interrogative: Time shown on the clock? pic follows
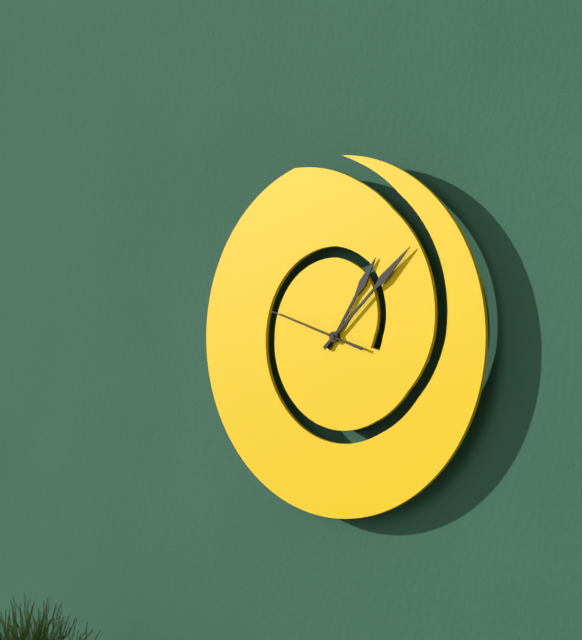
1:08:48
